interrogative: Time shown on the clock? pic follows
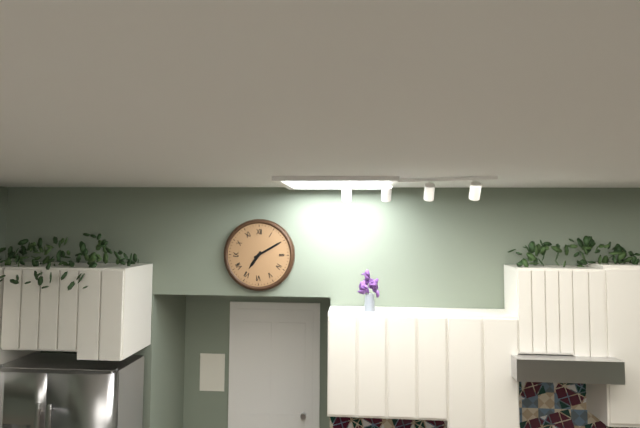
7:10
